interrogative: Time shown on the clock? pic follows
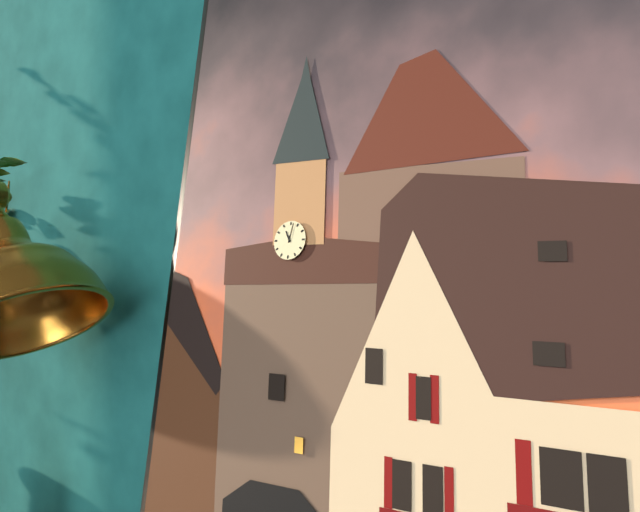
11:02
